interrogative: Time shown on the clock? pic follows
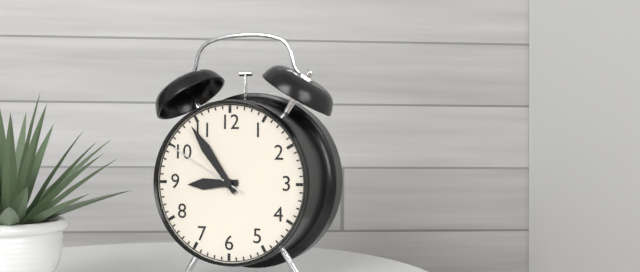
8:54:50
